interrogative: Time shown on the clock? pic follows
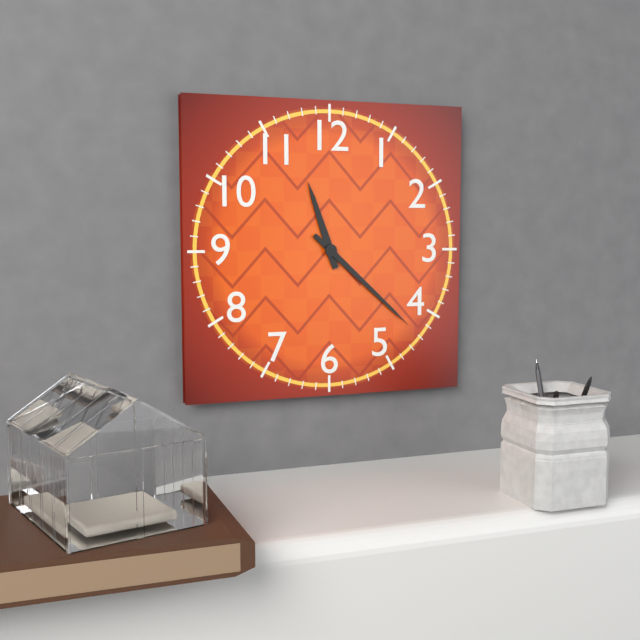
11:22
